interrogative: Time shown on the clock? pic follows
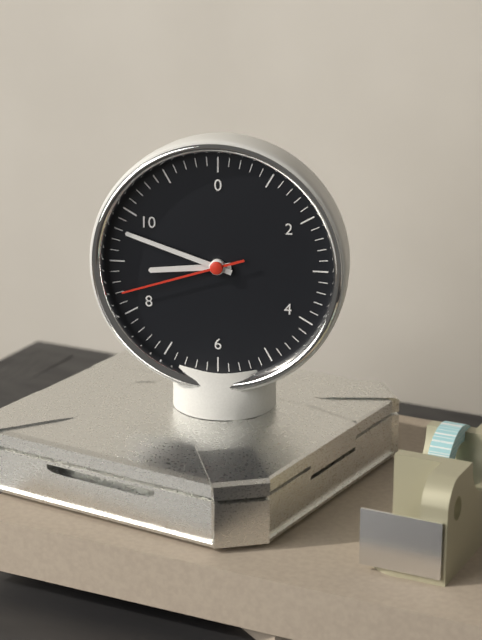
8:48:42
